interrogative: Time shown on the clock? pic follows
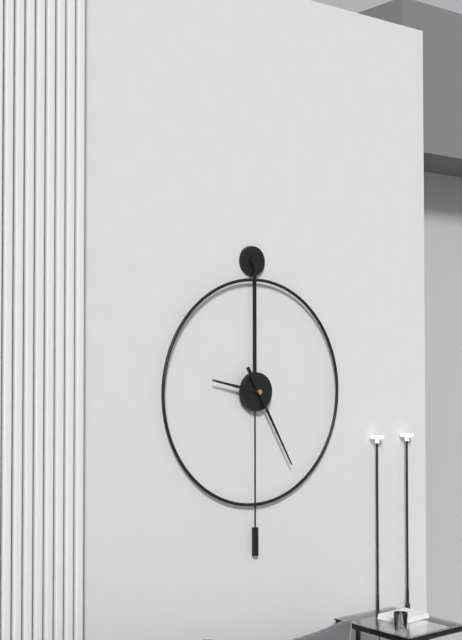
9:25
